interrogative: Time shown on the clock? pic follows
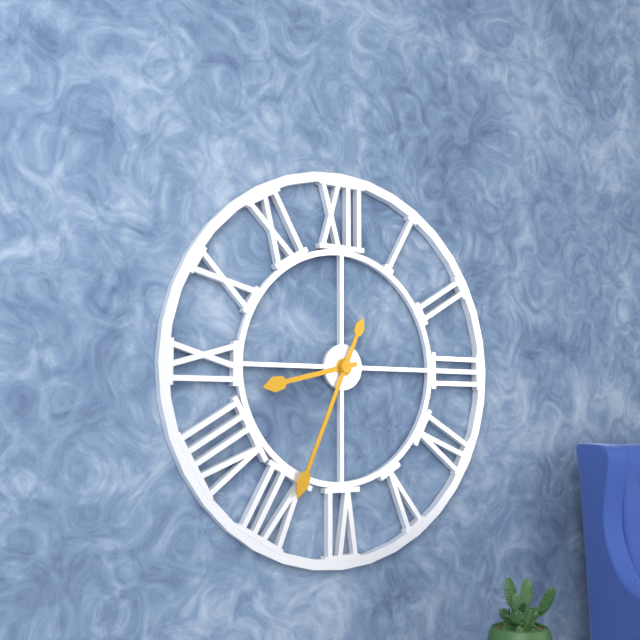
8:34
